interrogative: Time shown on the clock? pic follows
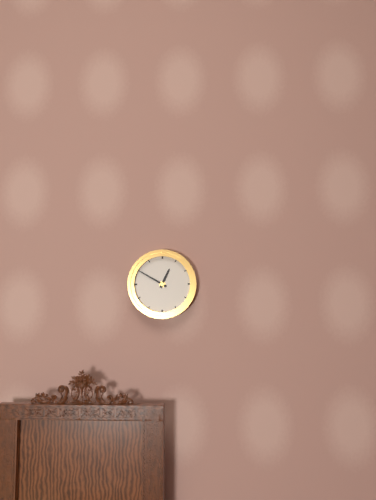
12:50
